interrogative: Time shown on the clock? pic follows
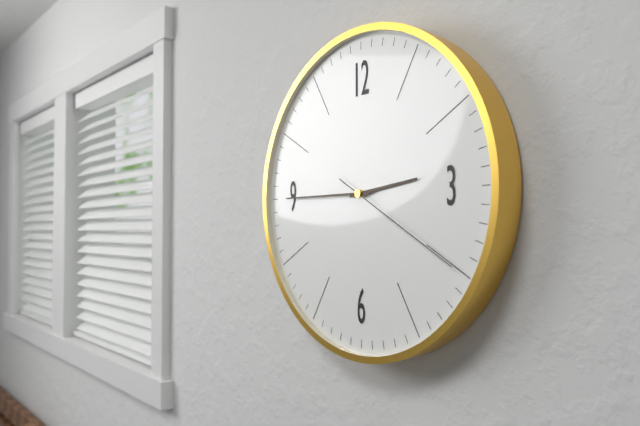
2:45:20
